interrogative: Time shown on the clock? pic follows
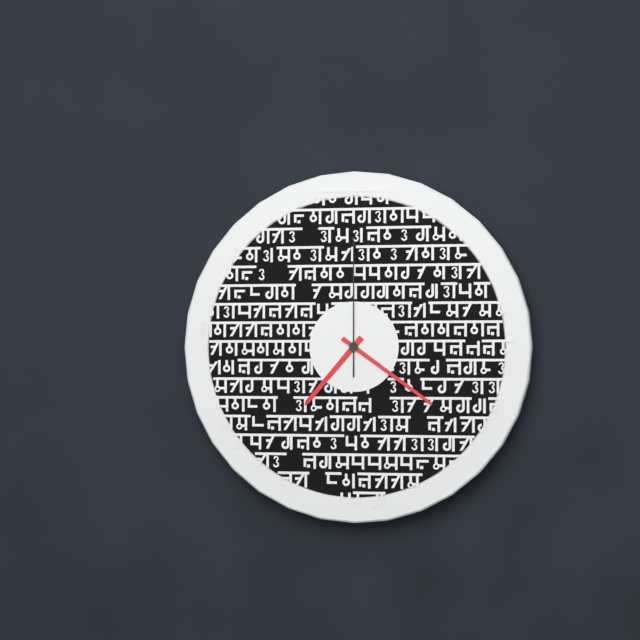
7:21:00
